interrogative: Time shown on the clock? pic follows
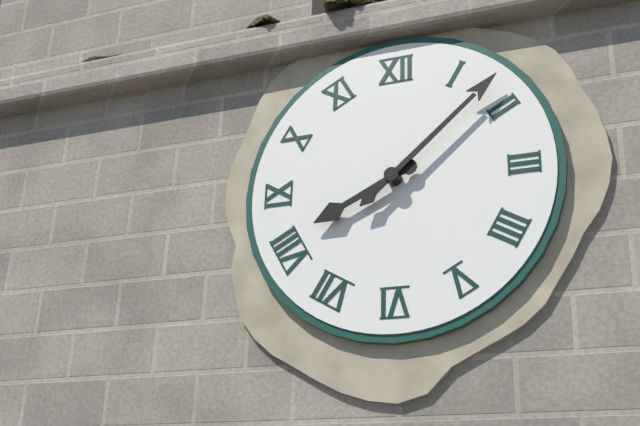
8:08
